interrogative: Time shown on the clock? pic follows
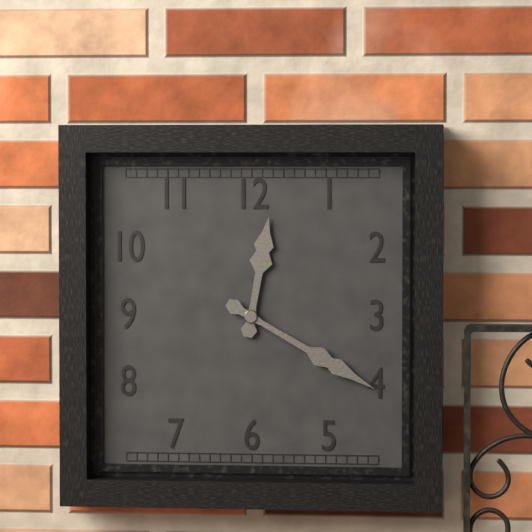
12:20
